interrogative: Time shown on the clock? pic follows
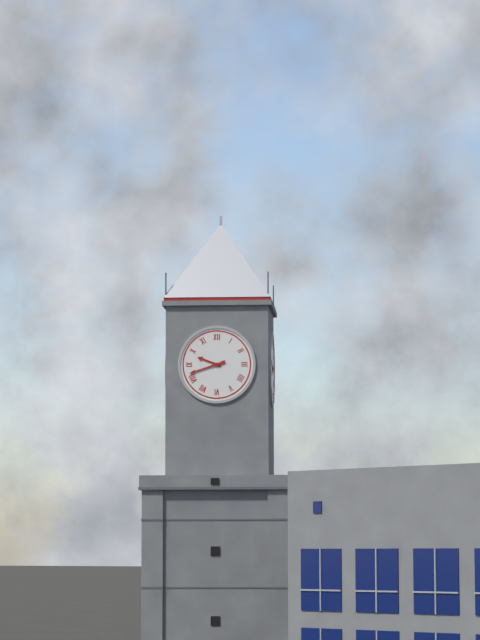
9:42
